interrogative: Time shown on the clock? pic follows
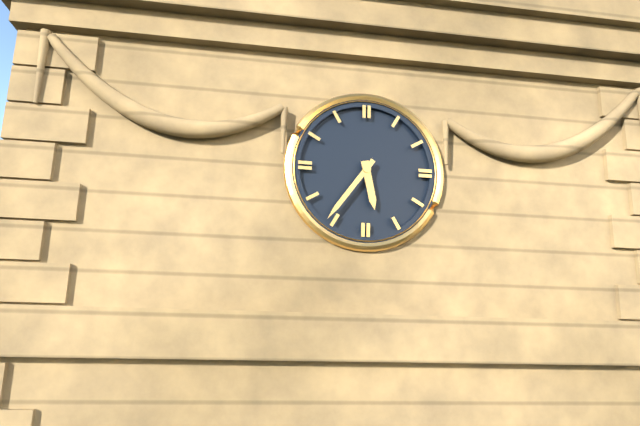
5:36
